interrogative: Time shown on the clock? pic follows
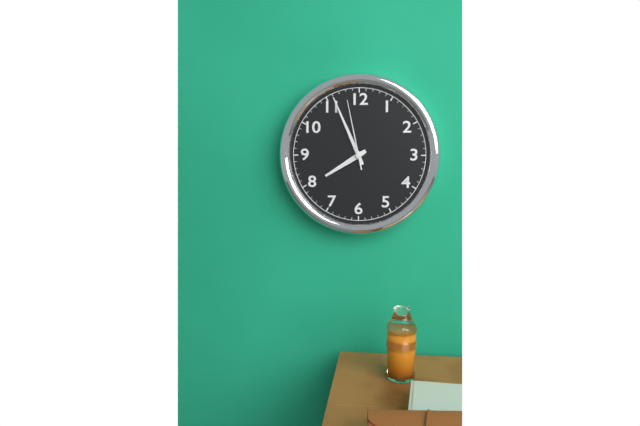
7:56:58
